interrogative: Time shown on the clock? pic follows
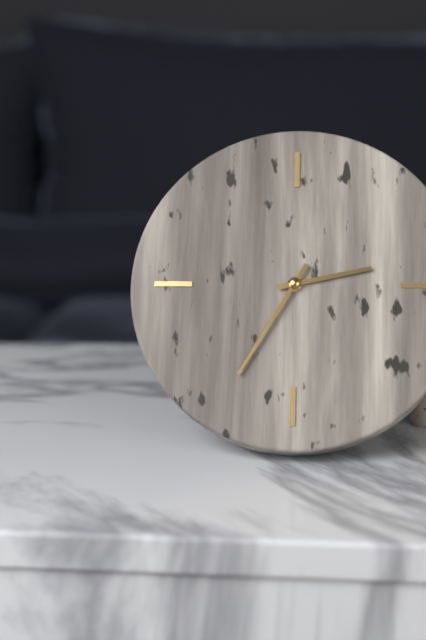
2:35
